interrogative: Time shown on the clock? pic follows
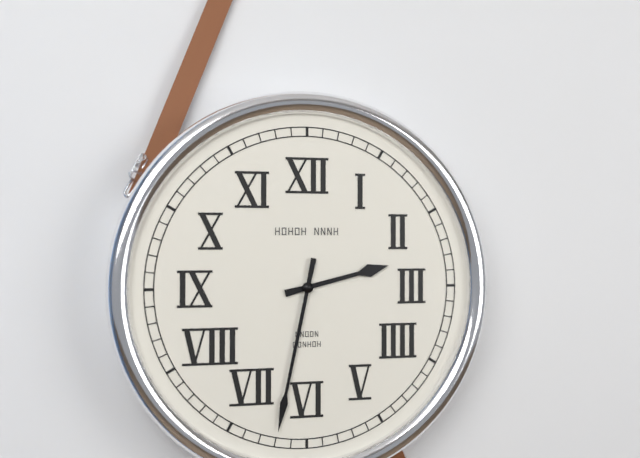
2:32
